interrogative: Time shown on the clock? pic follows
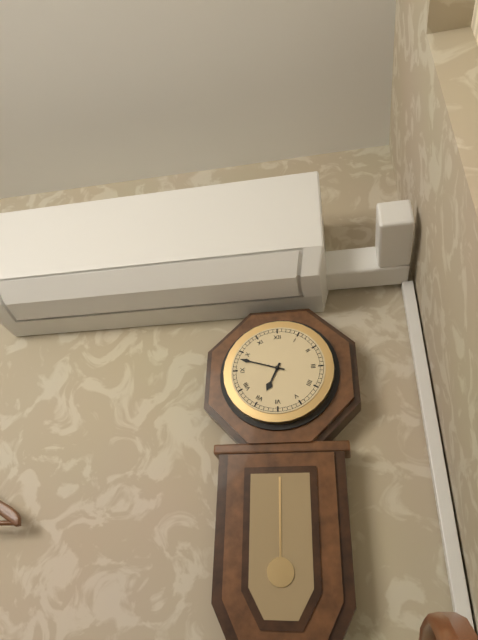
6:48
